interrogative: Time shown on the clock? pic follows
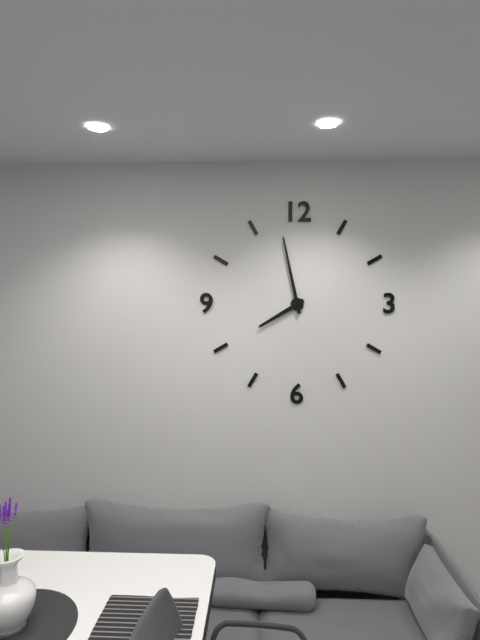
7:58
